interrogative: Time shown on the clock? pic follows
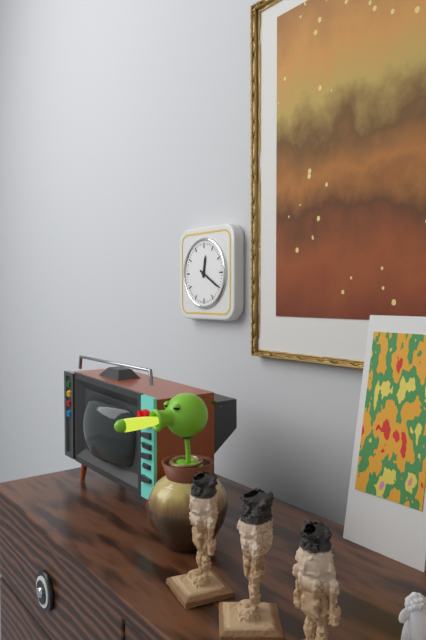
12:20
